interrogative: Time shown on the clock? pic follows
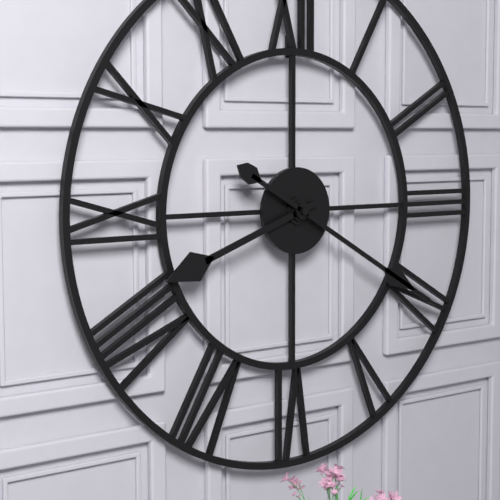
8:20
